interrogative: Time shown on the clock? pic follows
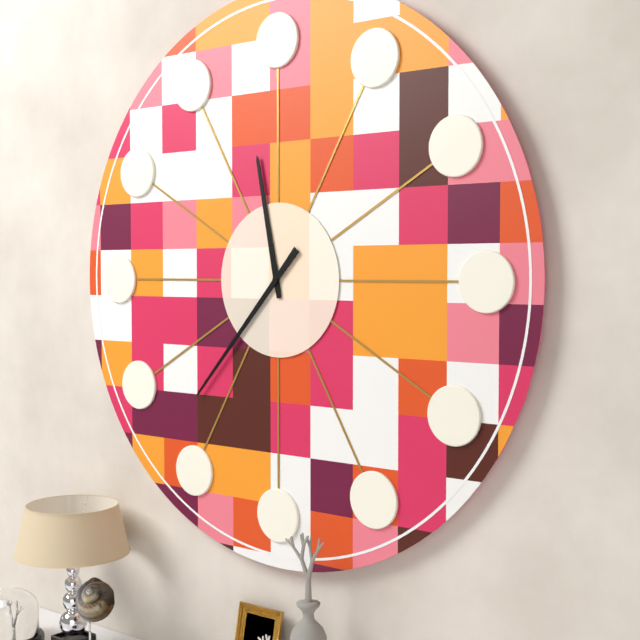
11:37
